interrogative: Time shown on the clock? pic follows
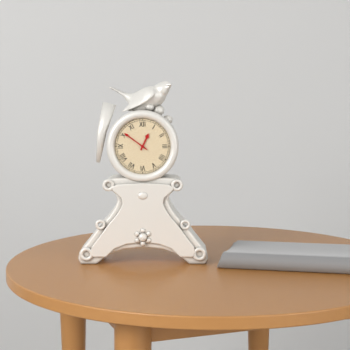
12:51
